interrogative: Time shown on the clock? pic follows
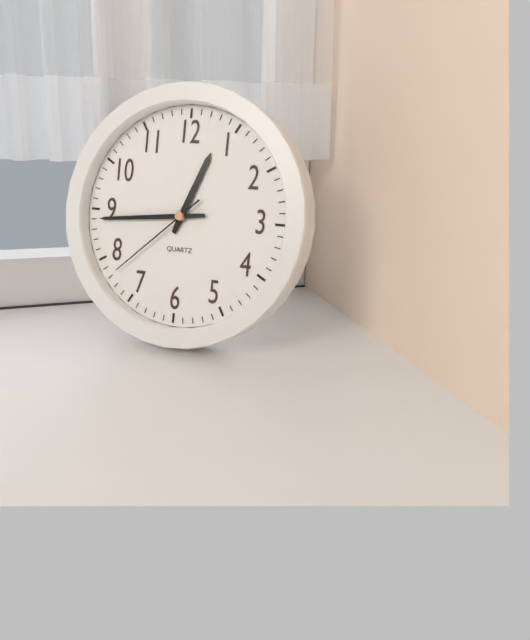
12:44:38
